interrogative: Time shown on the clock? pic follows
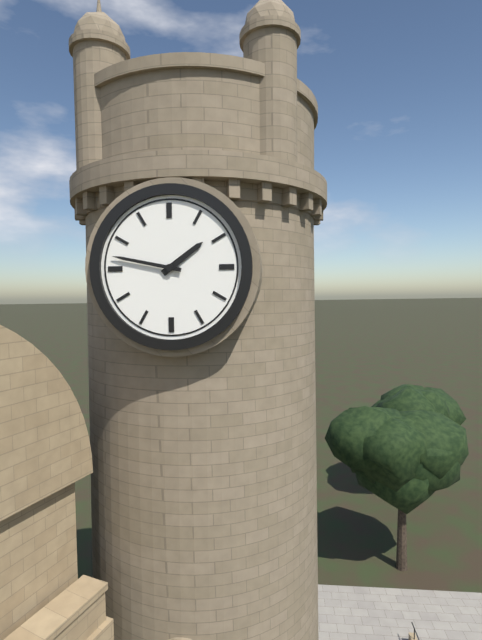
1:47
